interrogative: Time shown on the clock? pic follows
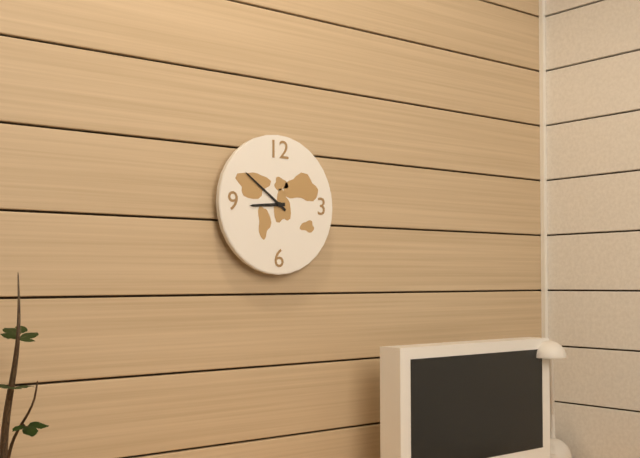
8:51
